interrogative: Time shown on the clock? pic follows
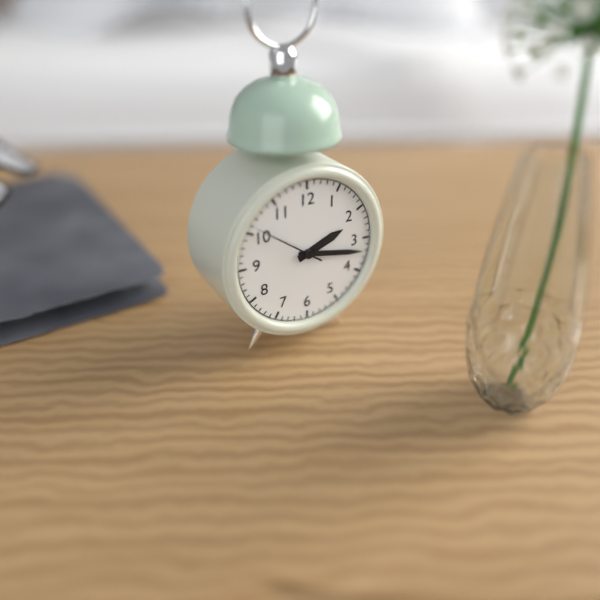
2:17:51
